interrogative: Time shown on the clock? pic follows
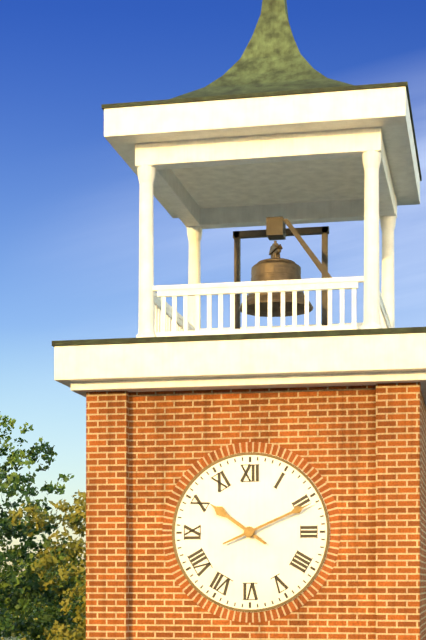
10:11
